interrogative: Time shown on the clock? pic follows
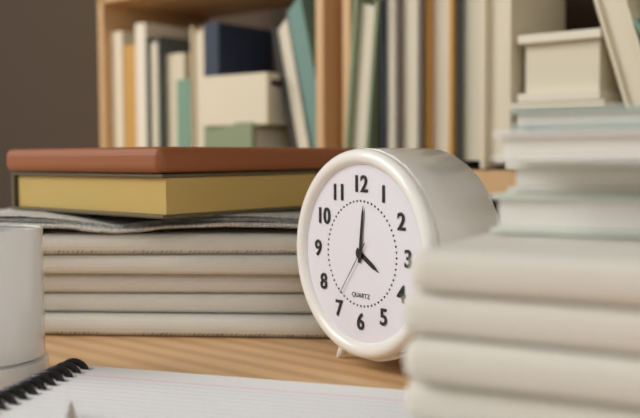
4:01:36
